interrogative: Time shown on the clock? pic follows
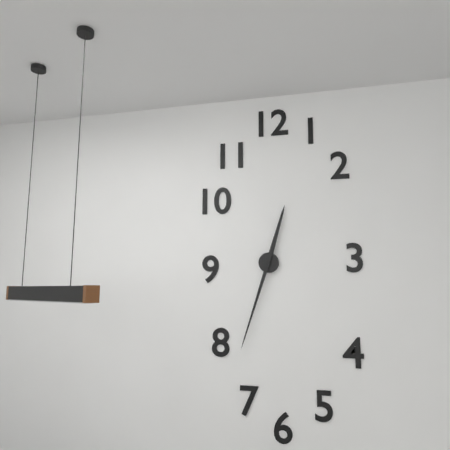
12:33
